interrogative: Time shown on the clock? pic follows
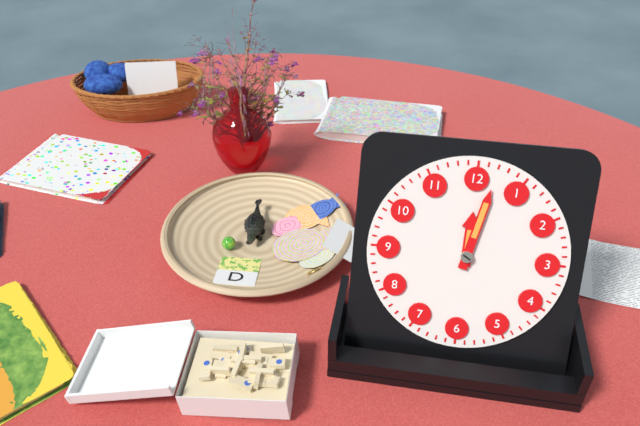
12:02
